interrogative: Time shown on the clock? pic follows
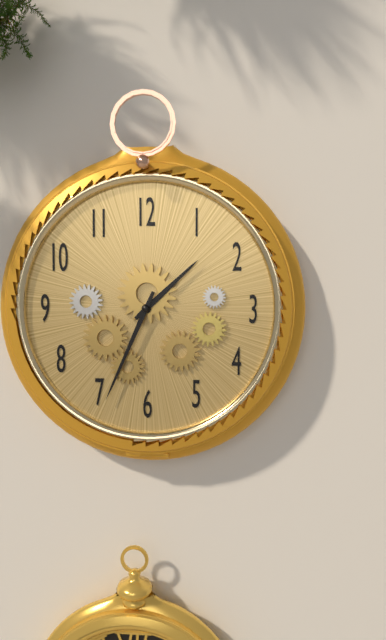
1:34
